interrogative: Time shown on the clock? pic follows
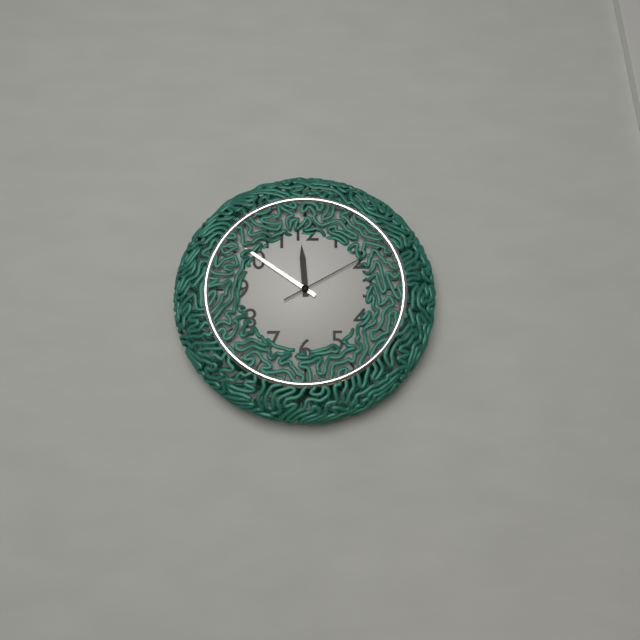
11:51:10
